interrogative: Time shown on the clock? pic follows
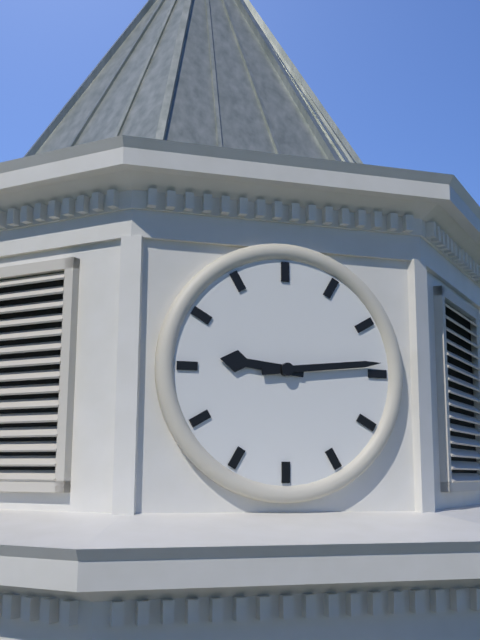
9:14
